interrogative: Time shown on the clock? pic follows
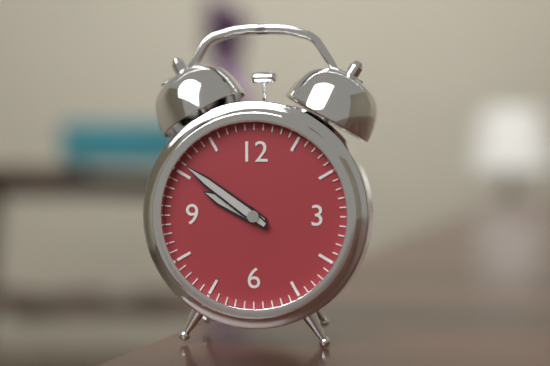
9:51
